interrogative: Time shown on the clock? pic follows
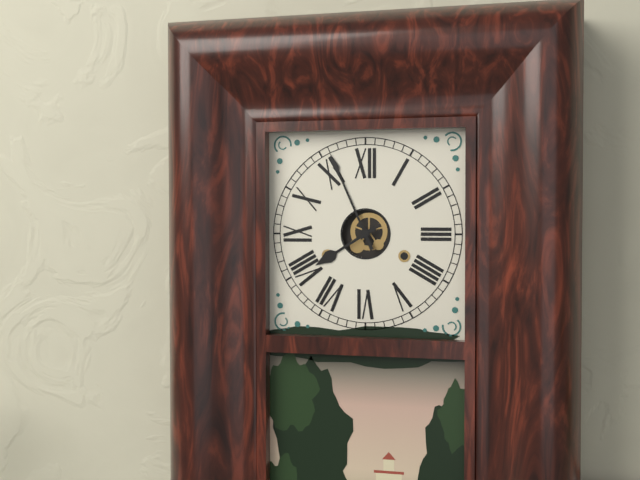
7:56
